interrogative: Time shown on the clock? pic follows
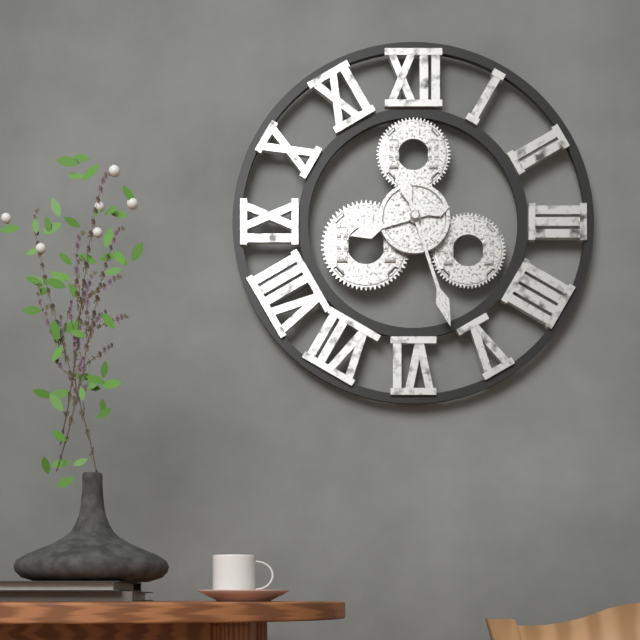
8:27
